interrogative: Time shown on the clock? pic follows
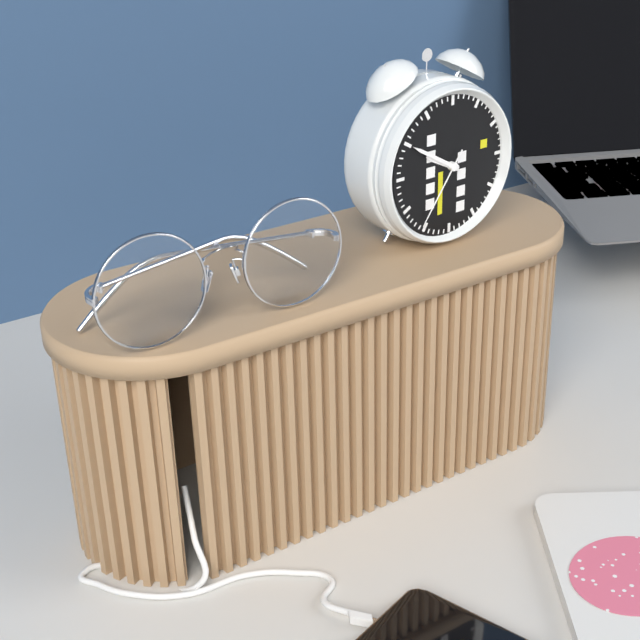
9:50:36
